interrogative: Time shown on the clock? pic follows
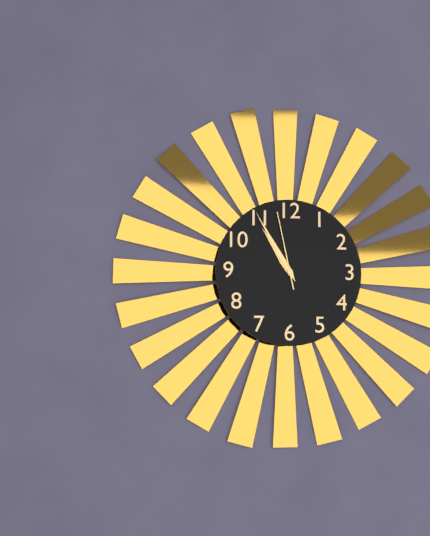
10:55:58
